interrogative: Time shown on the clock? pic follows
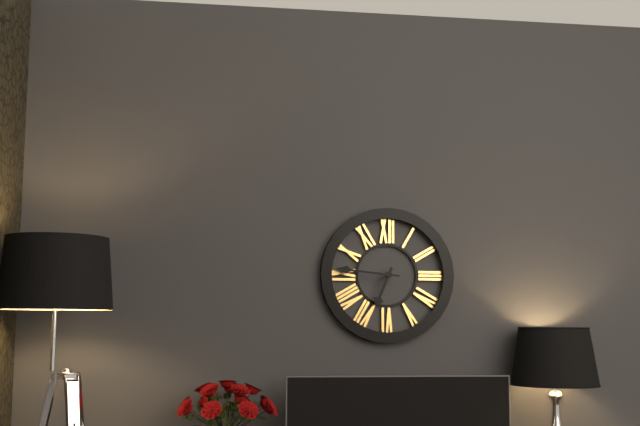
6:46
